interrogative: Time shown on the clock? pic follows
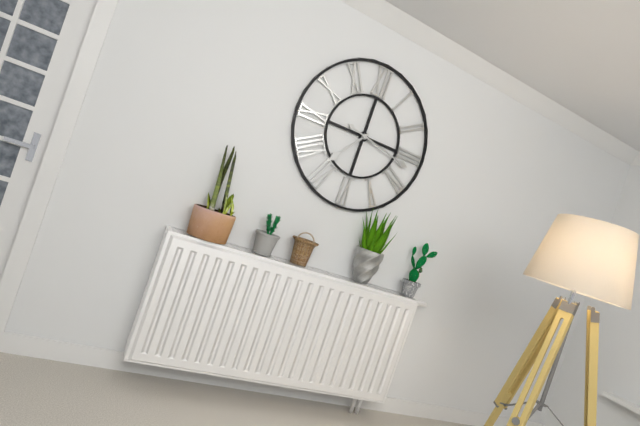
7:17
